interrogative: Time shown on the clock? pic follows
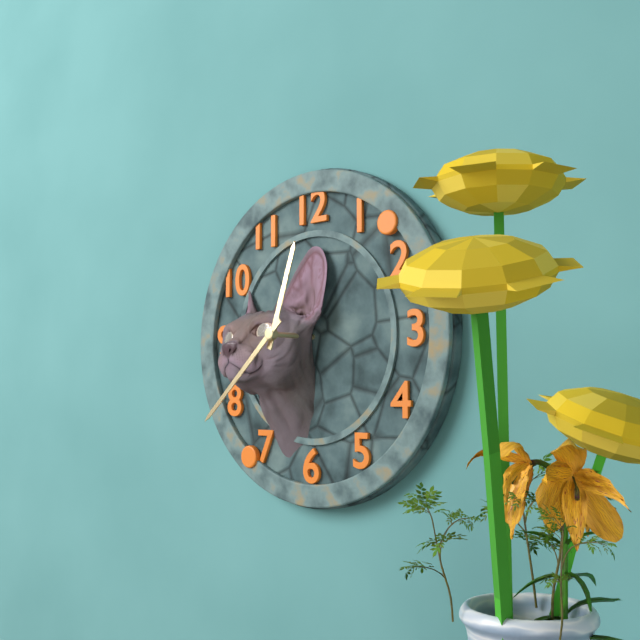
12:38
